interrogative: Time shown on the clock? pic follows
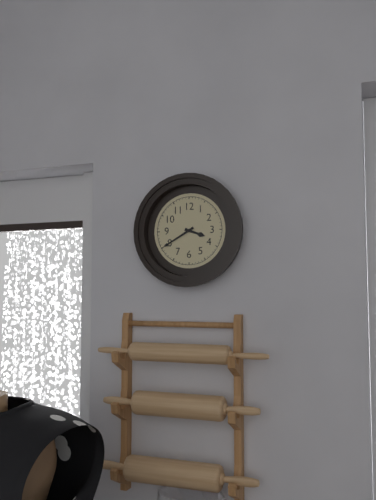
3:40
